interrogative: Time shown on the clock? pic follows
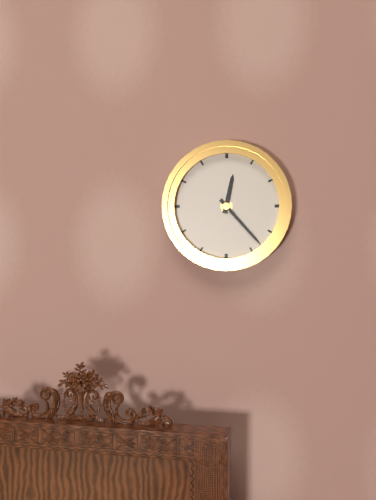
12:23
